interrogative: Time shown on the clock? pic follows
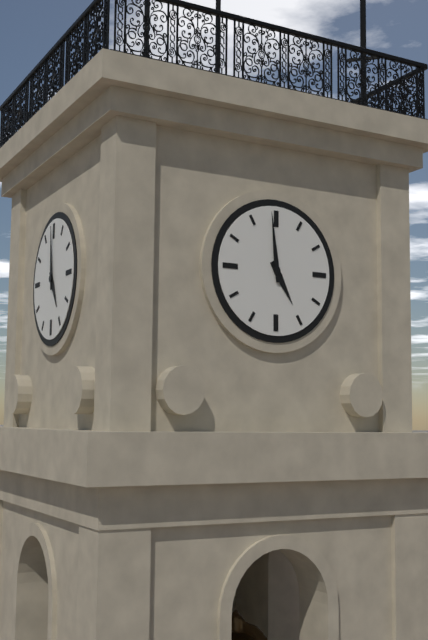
4:59
